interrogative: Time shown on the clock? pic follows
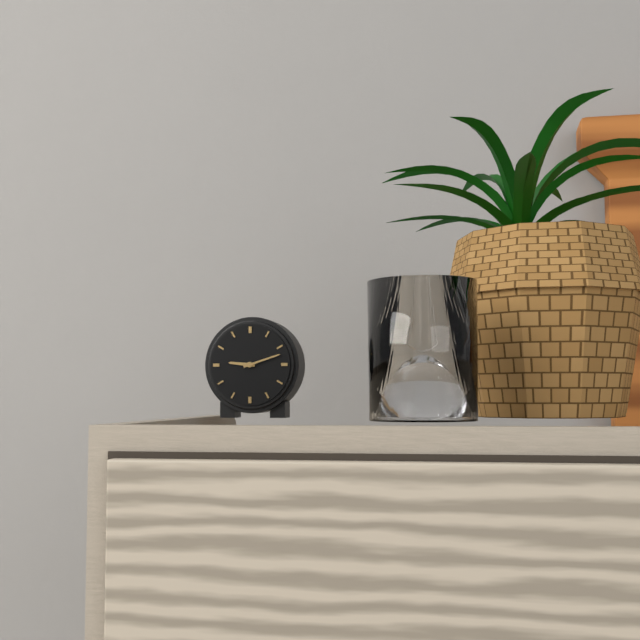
9:12
